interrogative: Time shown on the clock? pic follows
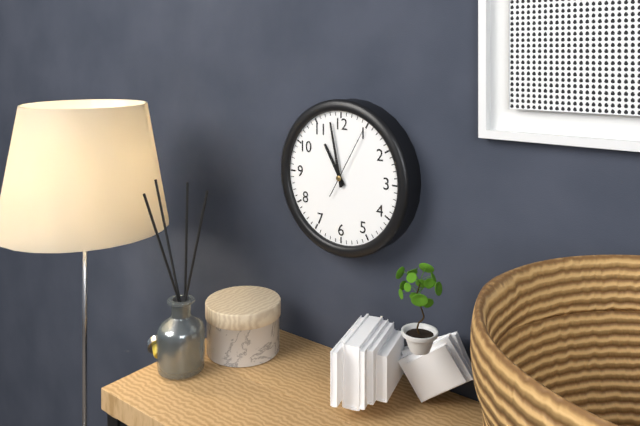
10:58:05
